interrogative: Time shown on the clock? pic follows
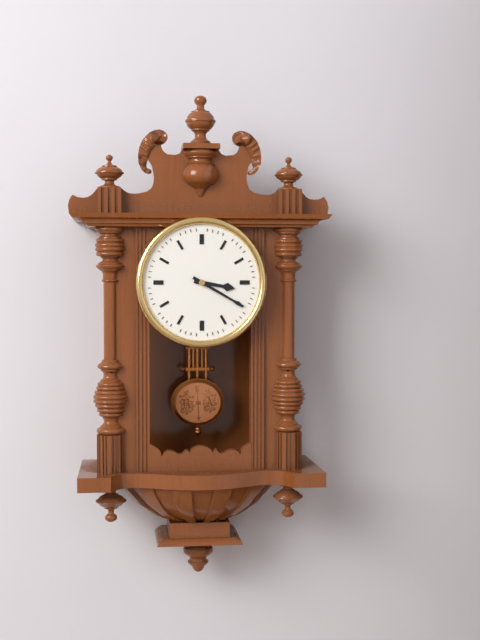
3:20
